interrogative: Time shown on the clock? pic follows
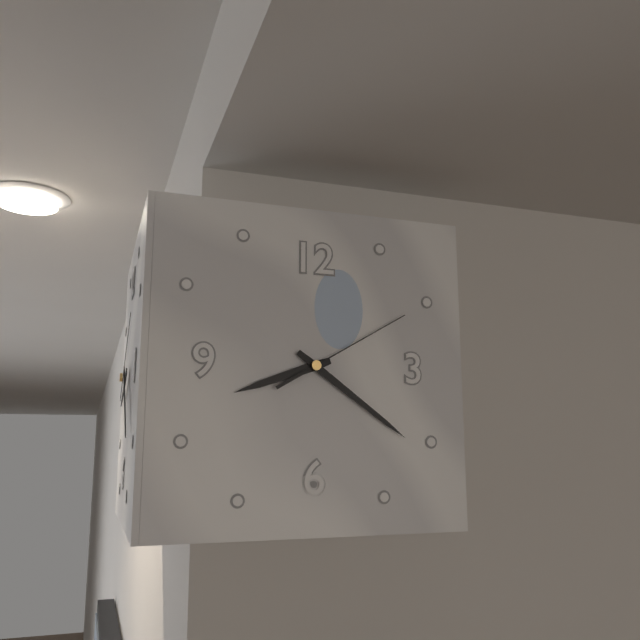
8:21:10
